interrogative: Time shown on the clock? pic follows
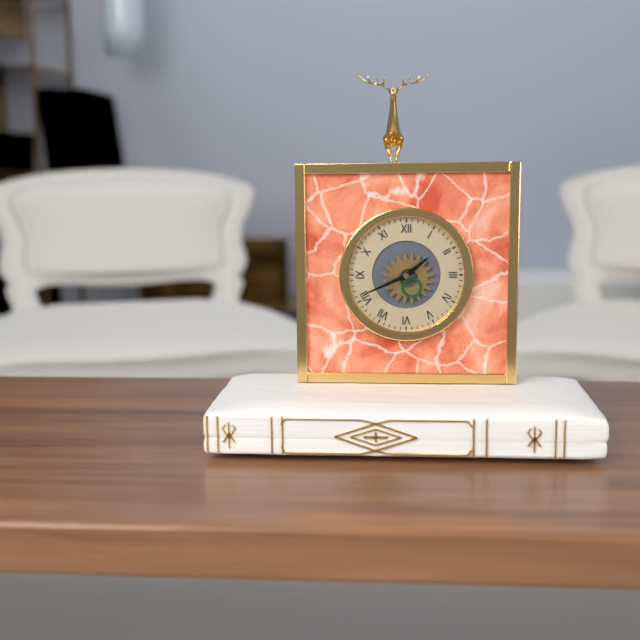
1:41
